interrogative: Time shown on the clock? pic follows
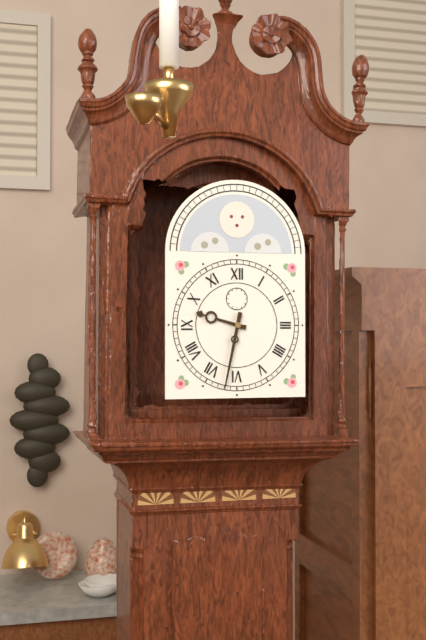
9:32
